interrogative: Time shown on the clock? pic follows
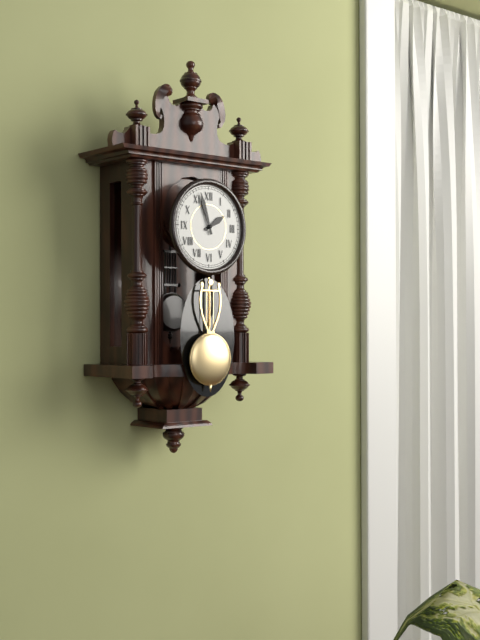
1:57
